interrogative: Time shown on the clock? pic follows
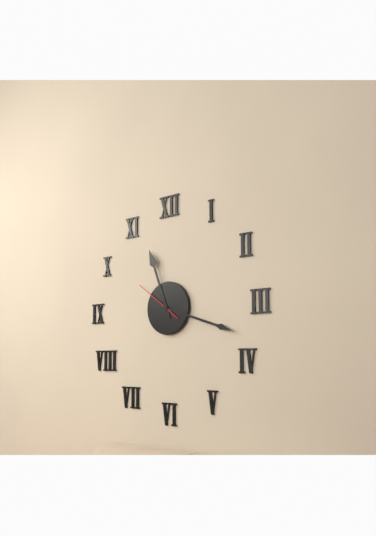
11:18
